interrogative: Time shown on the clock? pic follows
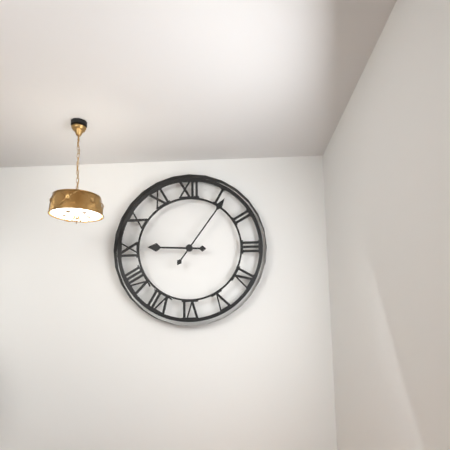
9:06
